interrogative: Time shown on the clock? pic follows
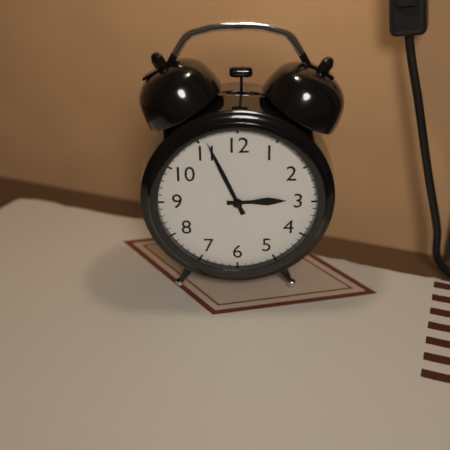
2:56
